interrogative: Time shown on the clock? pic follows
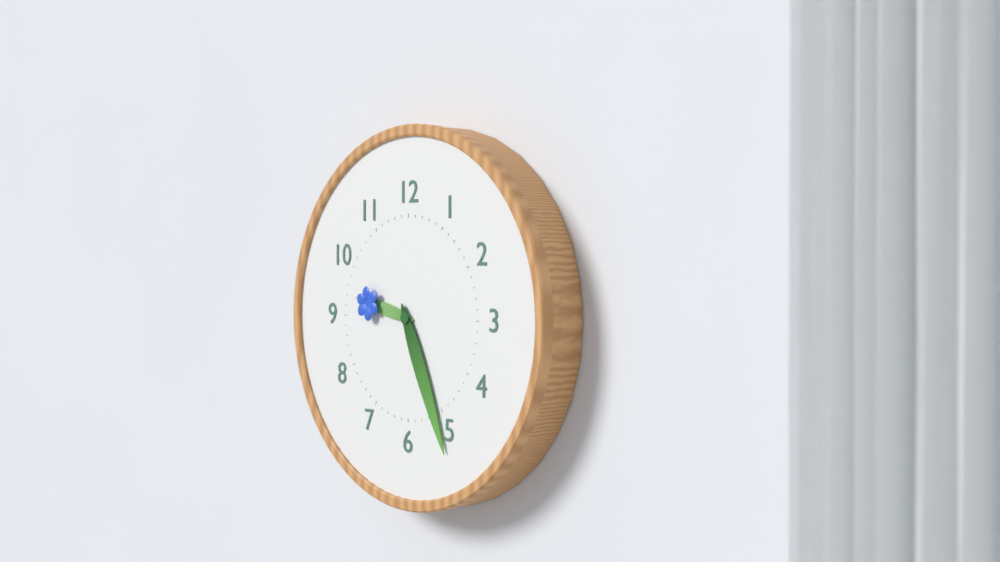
9:26
